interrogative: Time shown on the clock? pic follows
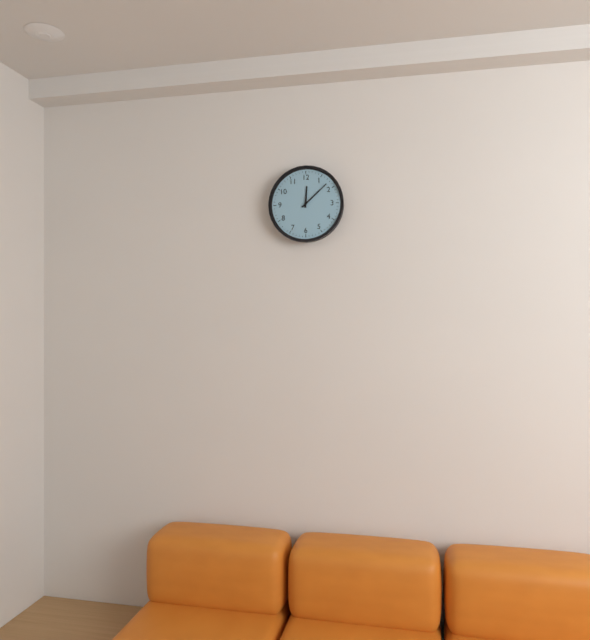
12:08
